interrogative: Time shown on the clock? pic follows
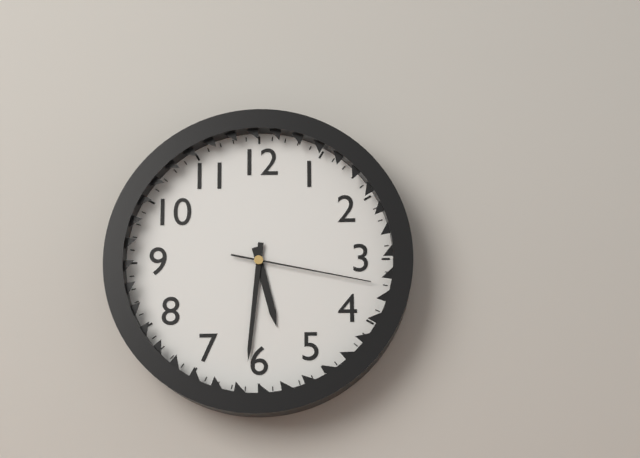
5:31:17
